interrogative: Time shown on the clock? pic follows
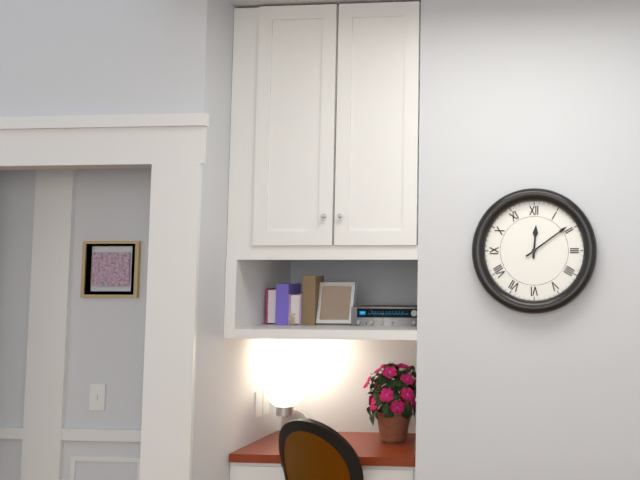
12:09
